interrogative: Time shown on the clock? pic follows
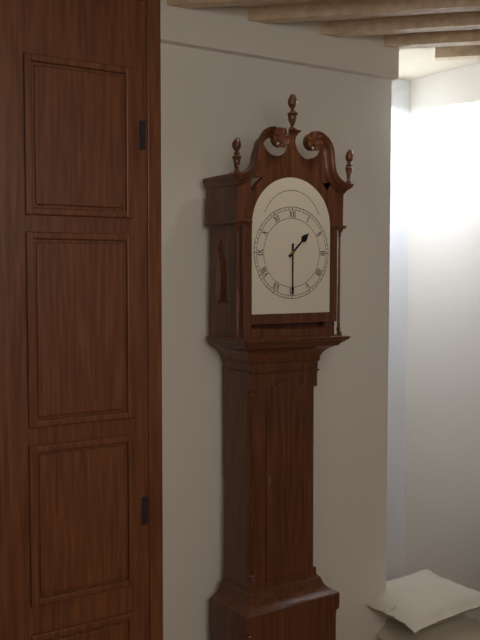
1:30
